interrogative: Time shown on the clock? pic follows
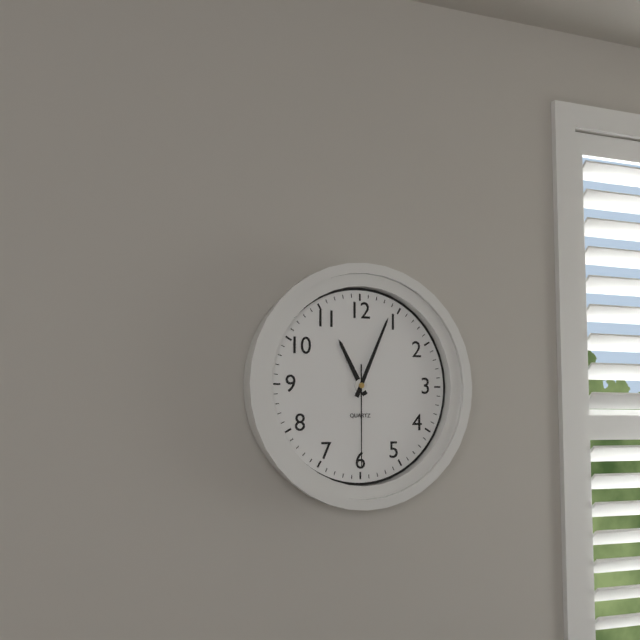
11:04:30
